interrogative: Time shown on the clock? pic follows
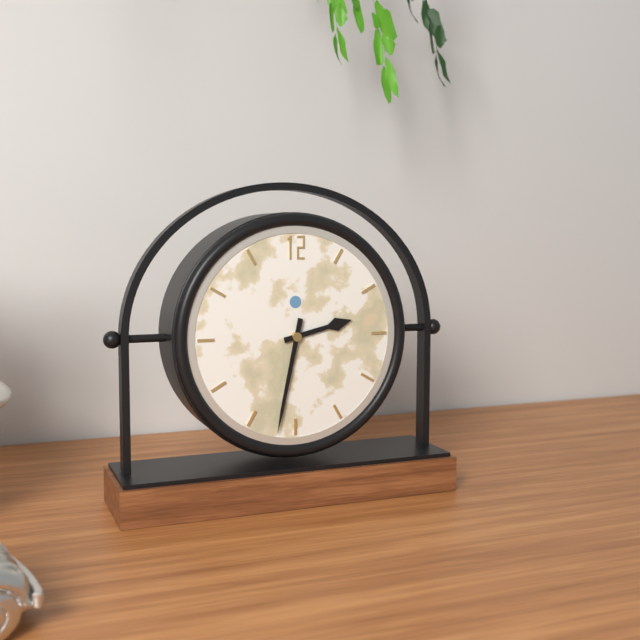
2:32
